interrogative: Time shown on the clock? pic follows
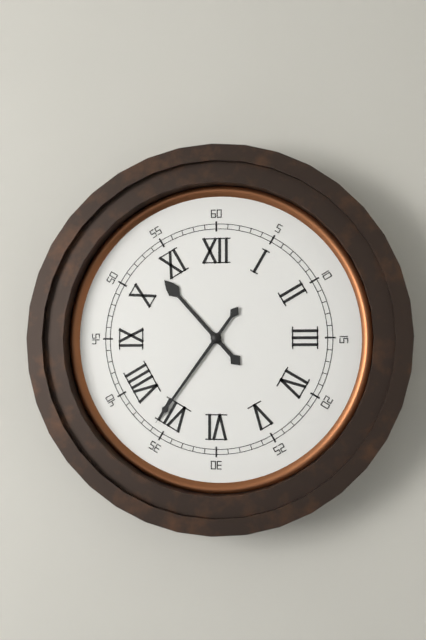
10:36
